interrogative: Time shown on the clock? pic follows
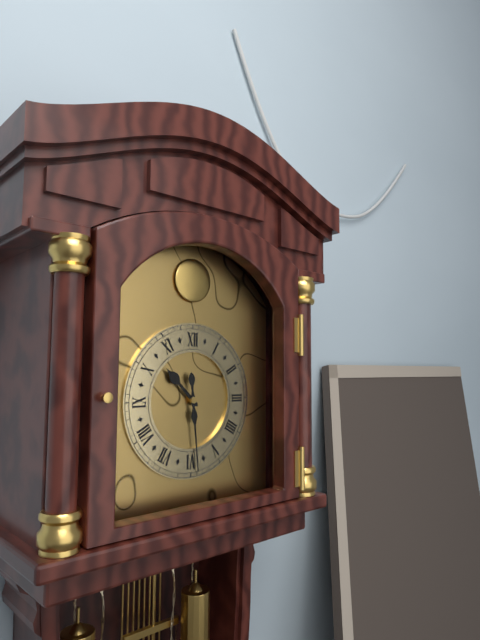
10:29
